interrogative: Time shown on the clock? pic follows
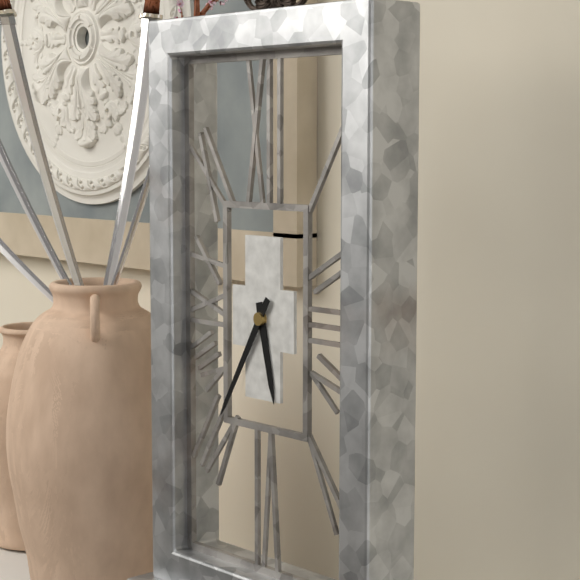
5:35
